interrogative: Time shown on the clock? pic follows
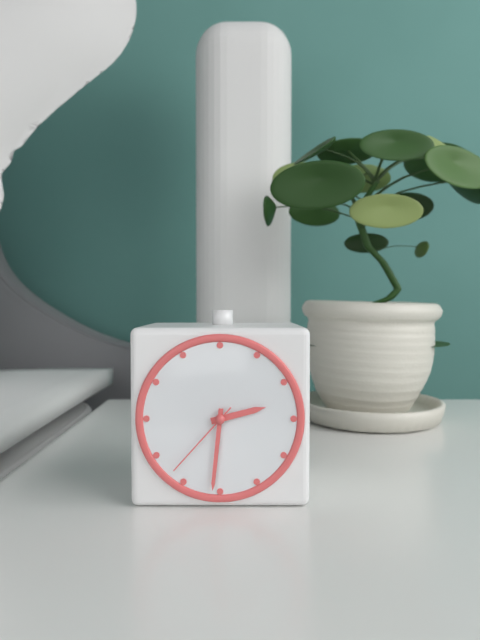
2:31:37
